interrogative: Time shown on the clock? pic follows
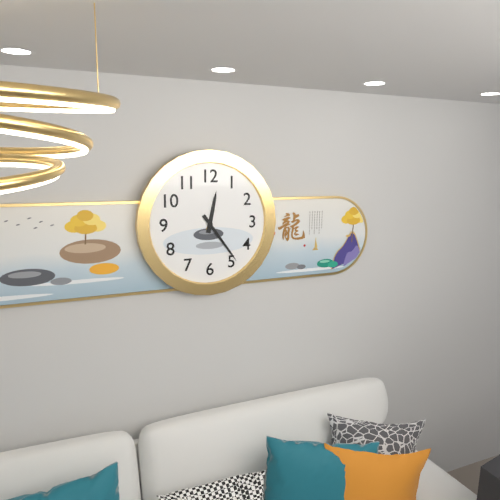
12:24
